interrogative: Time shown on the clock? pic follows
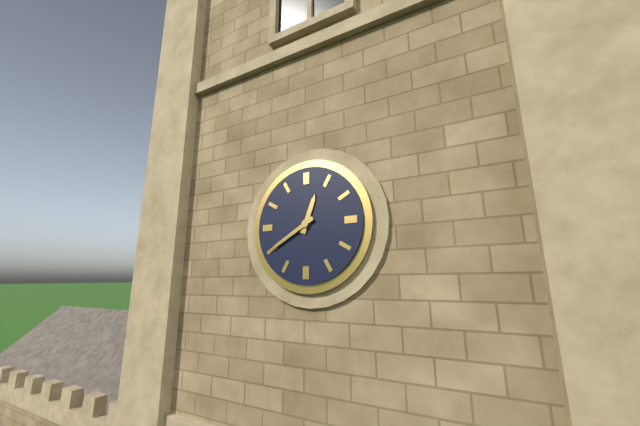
12:40
